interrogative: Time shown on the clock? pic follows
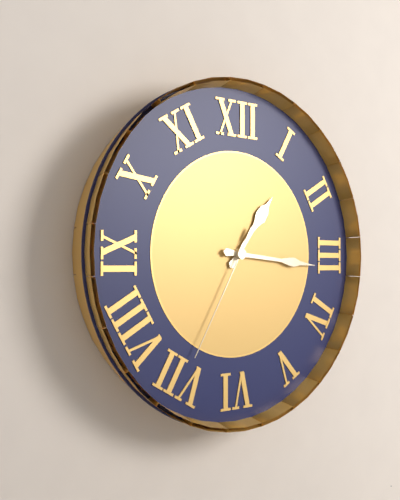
1:16:35
